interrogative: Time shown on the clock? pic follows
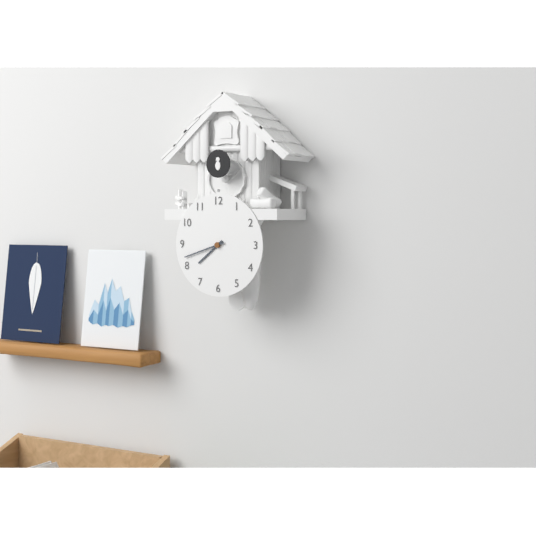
7:42
